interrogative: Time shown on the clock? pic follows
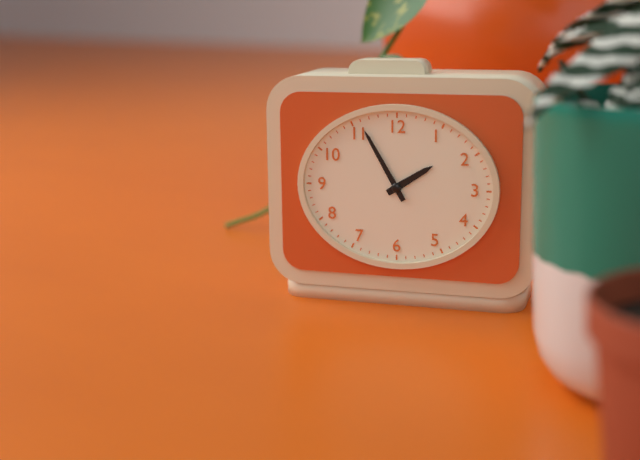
1:55
